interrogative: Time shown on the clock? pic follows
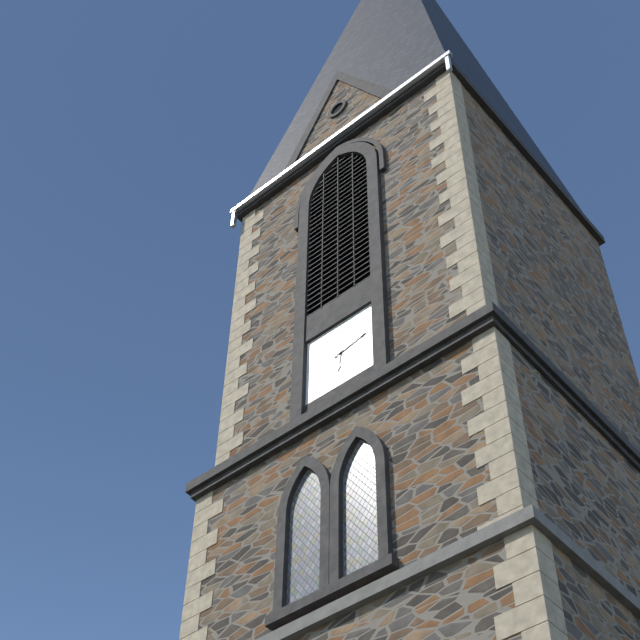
6:13
